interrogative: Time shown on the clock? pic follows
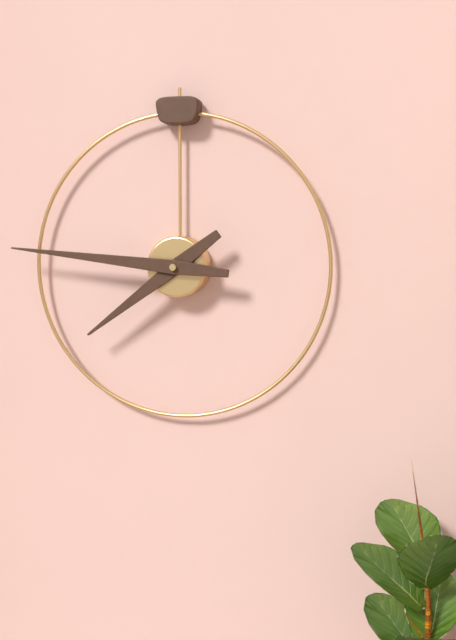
7:46
